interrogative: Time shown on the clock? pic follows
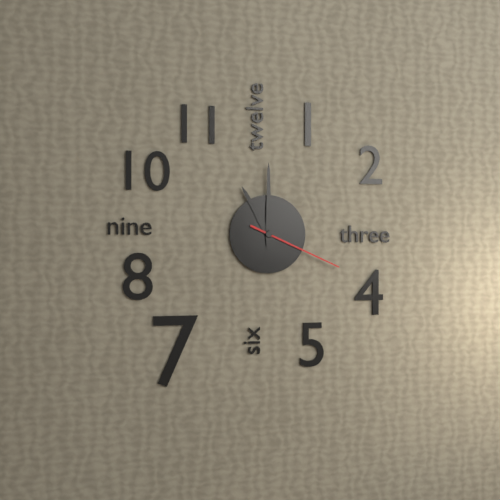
11:00:19
